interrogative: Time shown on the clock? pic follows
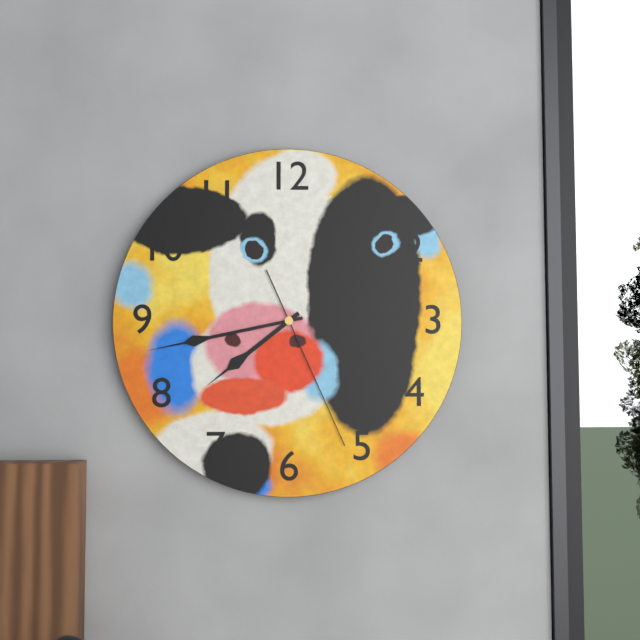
7:43:26
